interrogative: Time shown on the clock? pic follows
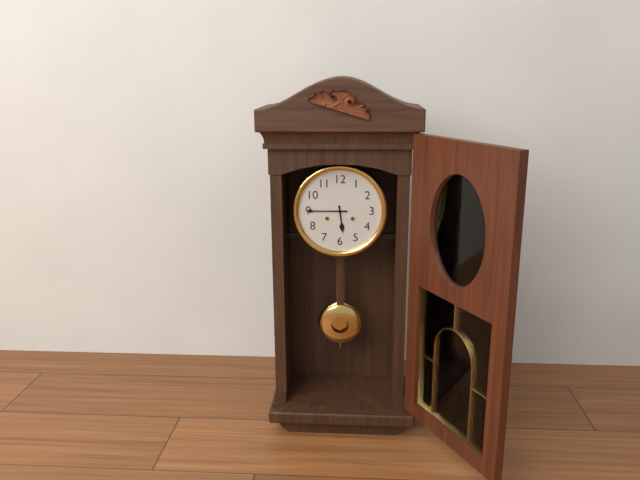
5:45
